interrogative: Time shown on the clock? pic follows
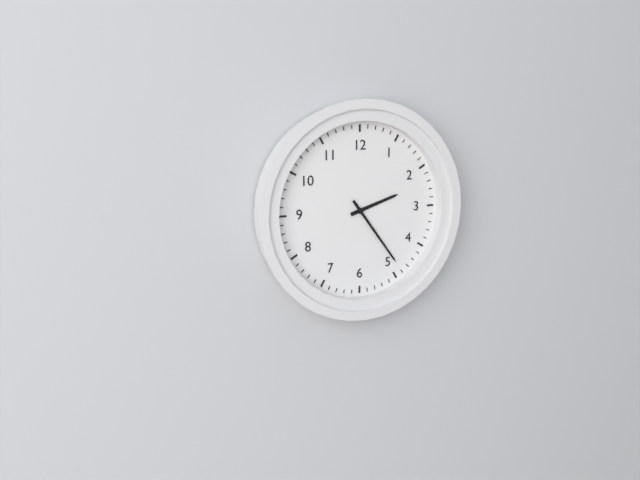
2:24
